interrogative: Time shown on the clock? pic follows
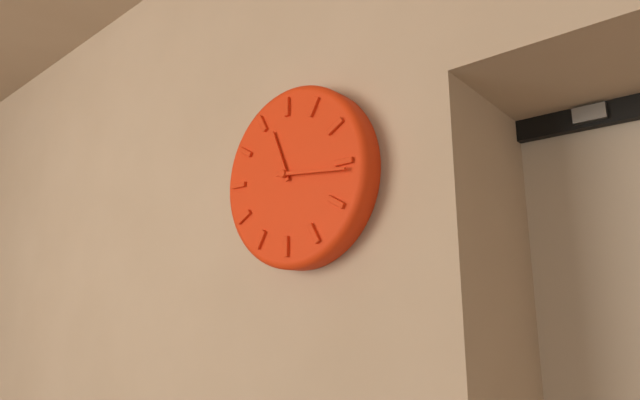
11:16
